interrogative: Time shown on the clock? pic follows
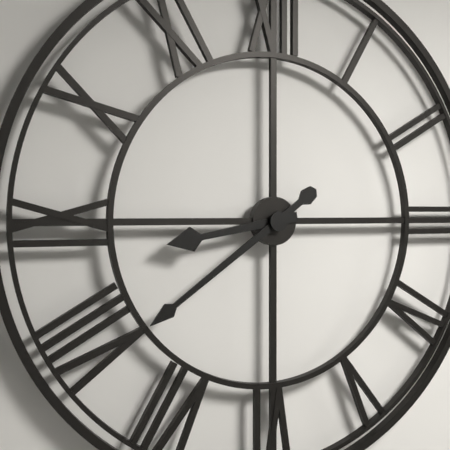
8:39
